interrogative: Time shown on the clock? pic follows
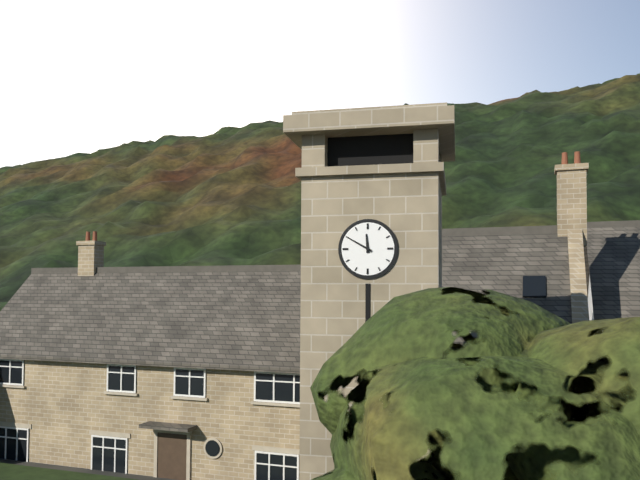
11:50
